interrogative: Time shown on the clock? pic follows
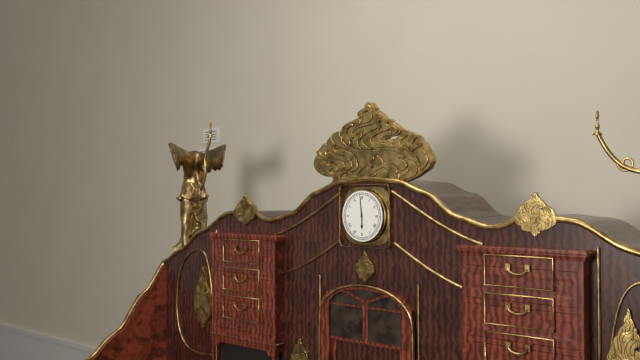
5:59
